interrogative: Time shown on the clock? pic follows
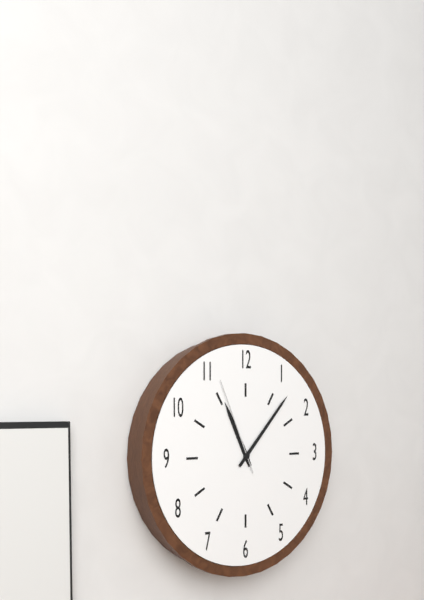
11:07:56
